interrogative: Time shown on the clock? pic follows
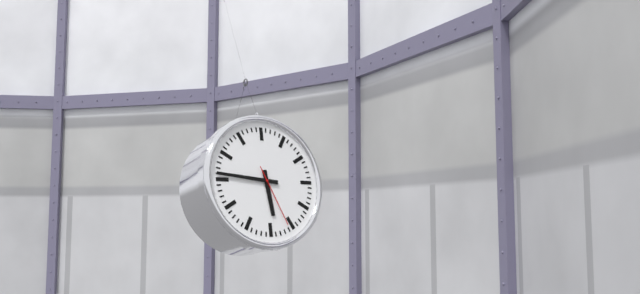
5:46:26
